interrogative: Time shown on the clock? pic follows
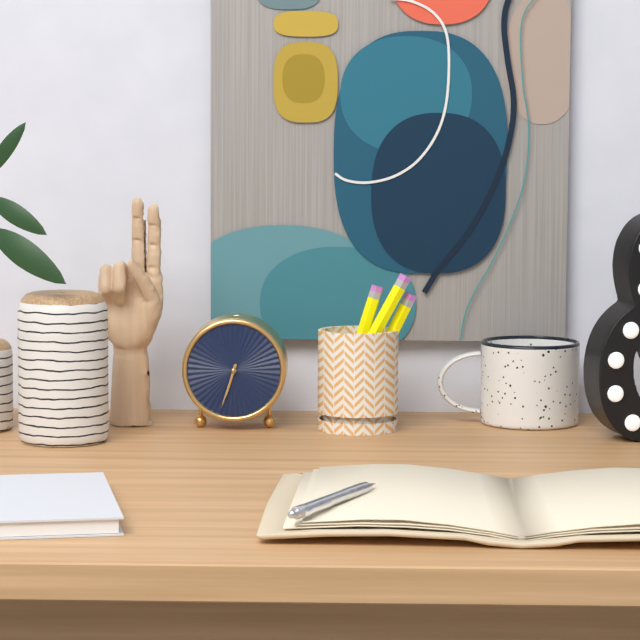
6:33
